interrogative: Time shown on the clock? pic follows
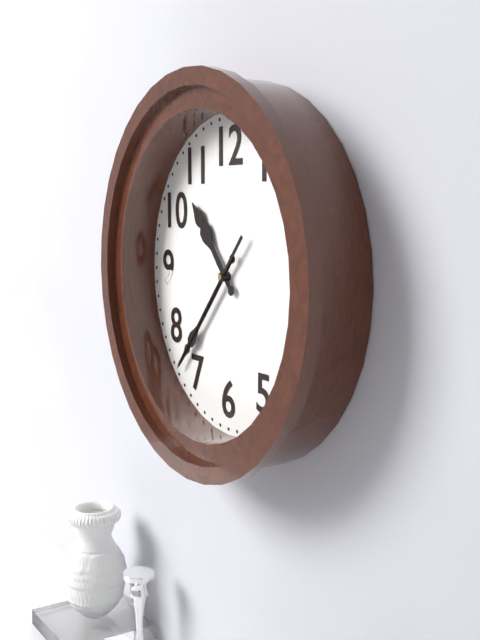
10:37:37
